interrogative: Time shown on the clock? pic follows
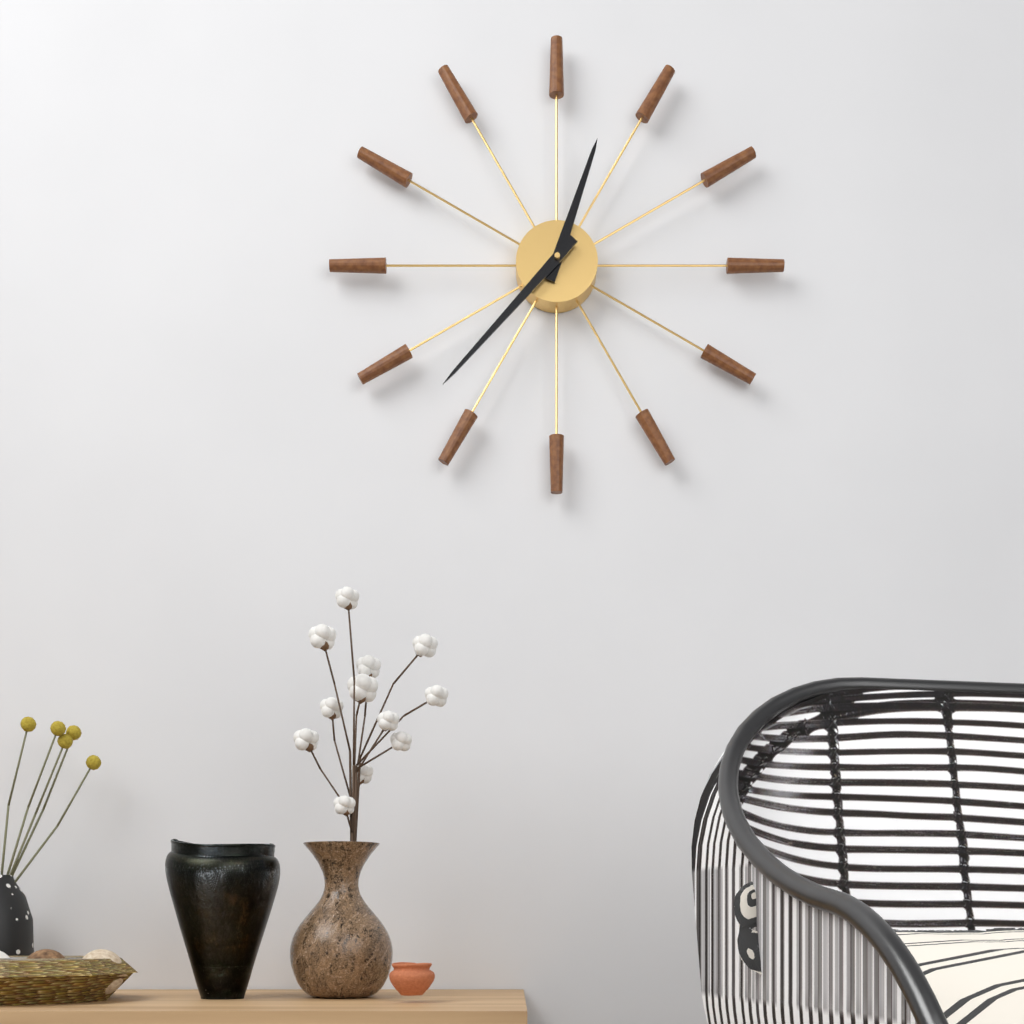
12:37
